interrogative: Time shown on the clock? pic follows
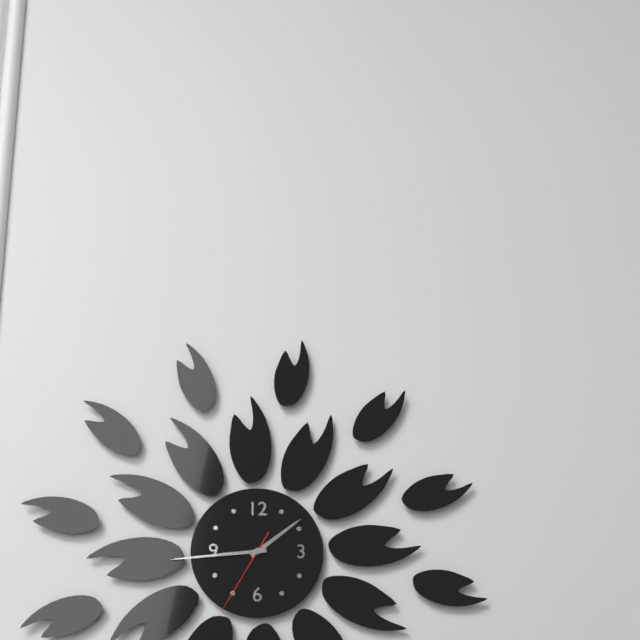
1:44:35
